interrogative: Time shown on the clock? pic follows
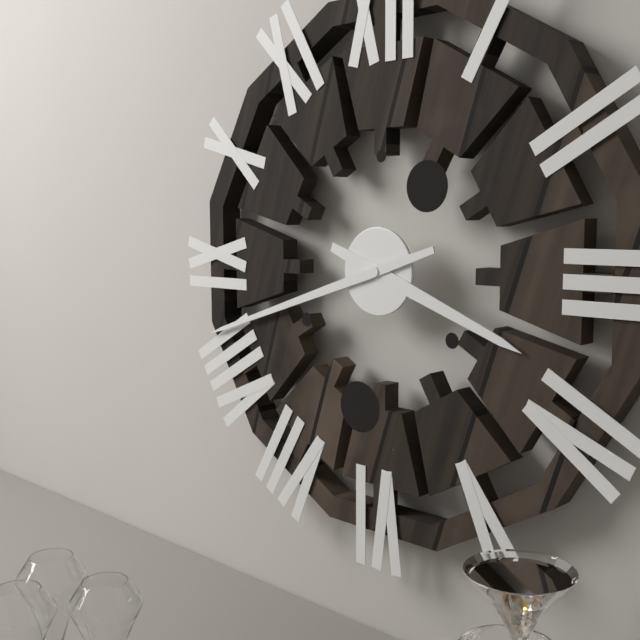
3:42
